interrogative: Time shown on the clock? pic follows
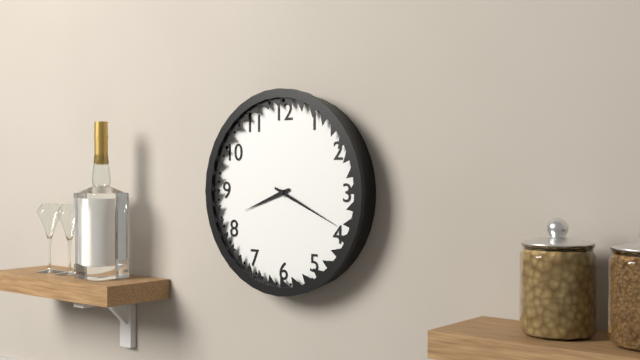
8:19
